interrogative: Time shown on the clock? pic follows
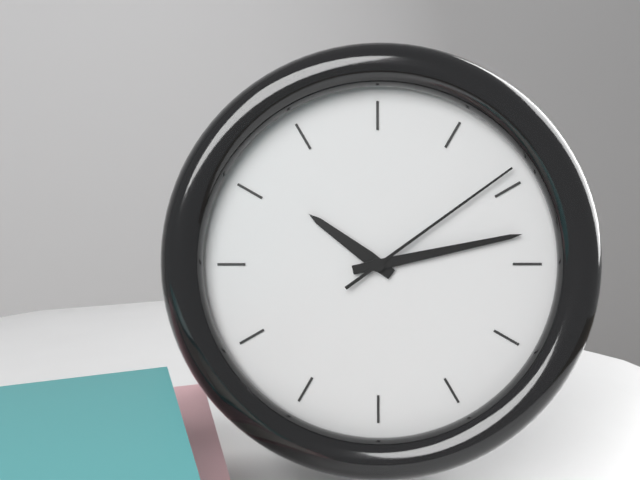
10:13:09
